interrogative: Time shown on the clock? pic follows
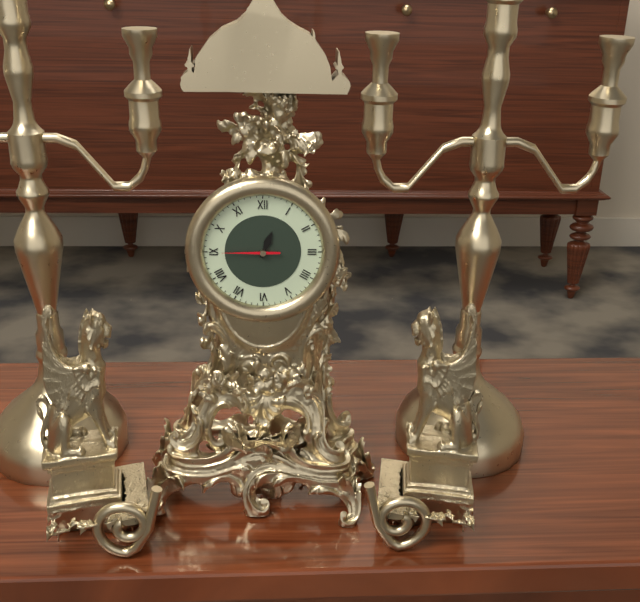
12:45
